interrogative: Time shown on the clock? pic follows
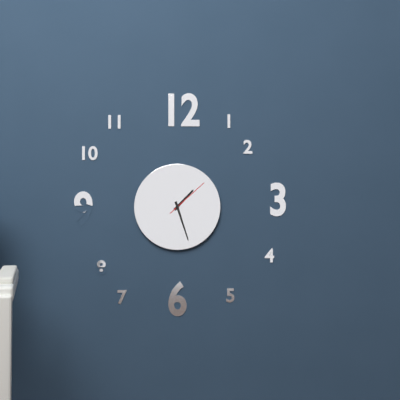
1:27
